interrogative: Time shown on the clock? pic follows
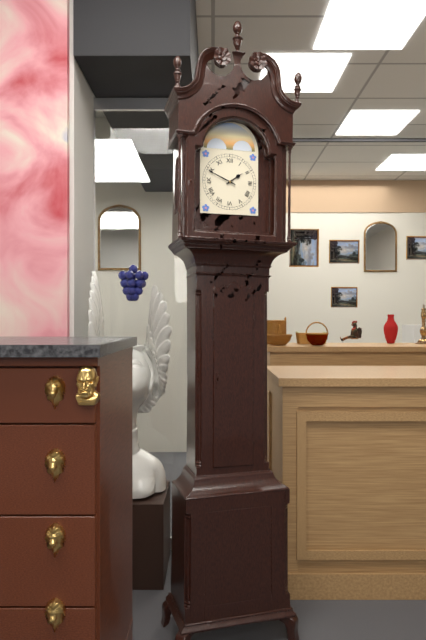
1:49
